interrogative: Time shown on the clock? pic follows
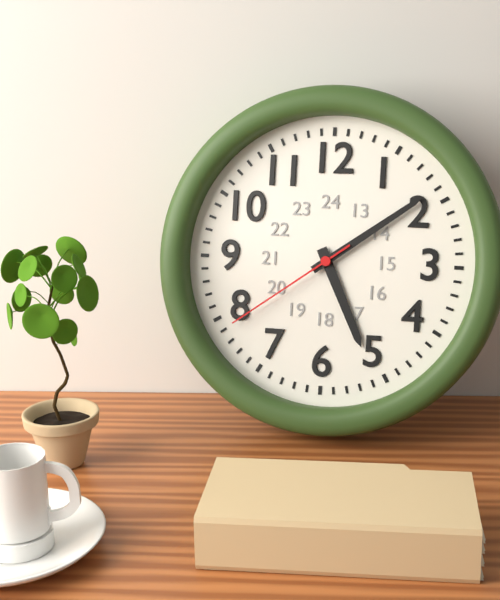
5:09:39
